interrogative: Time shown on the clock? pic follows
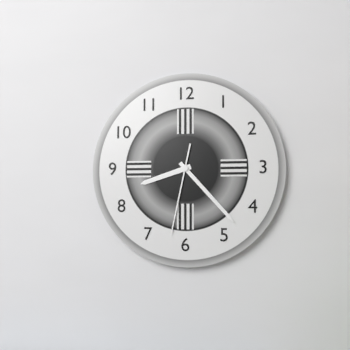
8:23:32
